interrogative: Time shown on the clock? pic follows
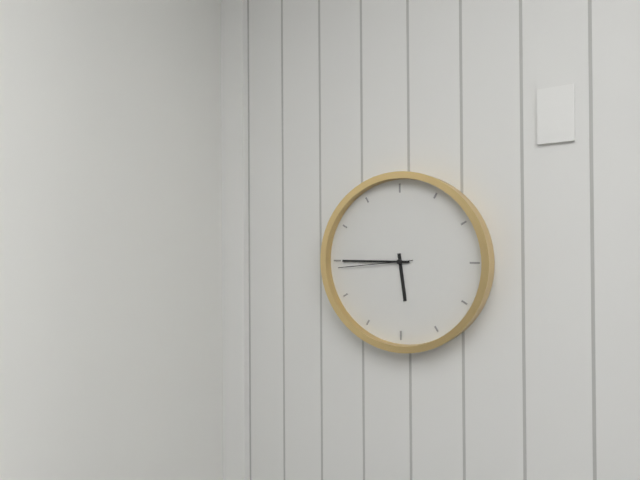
5:45:44
